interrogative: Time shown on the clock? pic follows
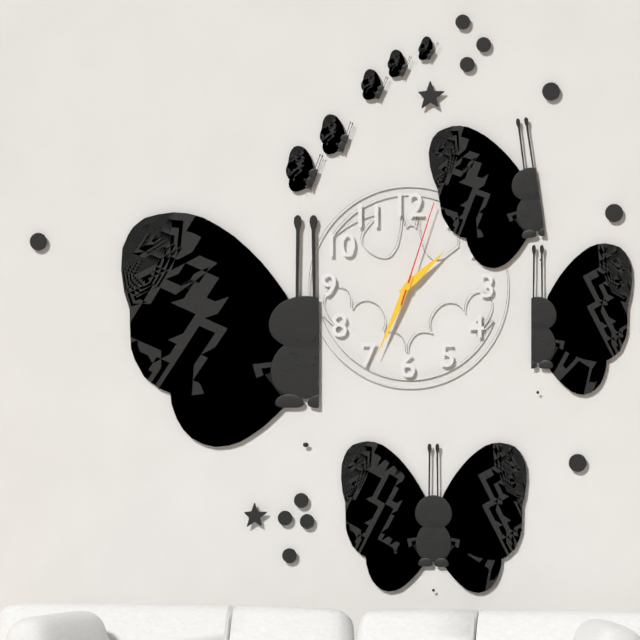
1:34:03
